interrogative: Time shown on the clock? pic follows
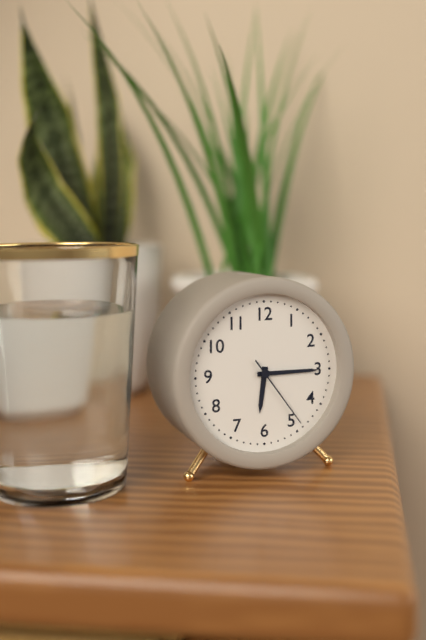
6:15:24
